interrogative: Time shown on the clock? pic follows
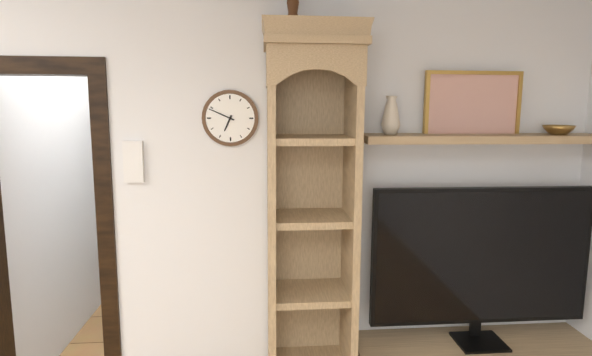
6:49
